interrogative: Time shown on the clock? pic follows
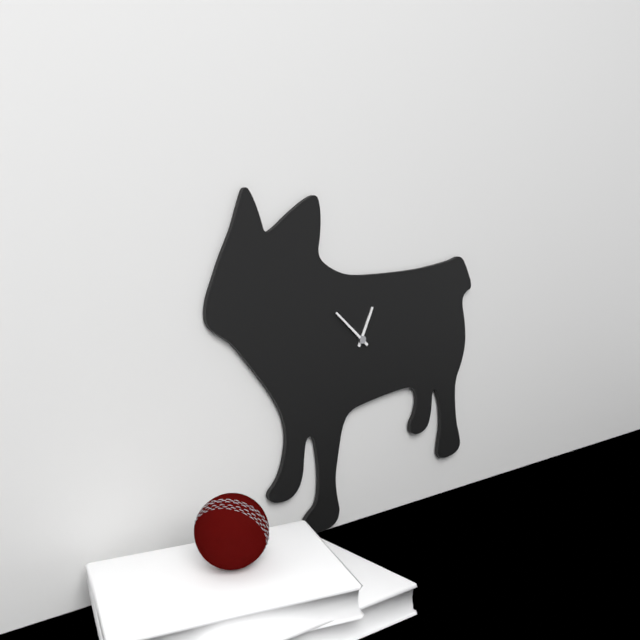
12:52
